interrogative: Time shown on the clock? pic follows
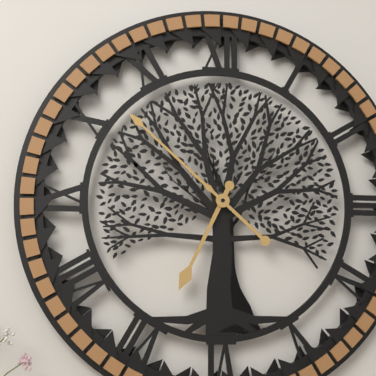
6:52
